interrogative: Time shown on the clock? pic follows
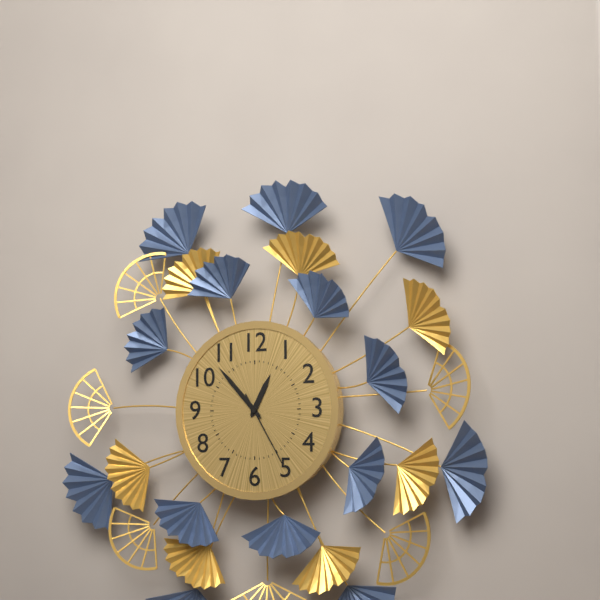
12:53:25
